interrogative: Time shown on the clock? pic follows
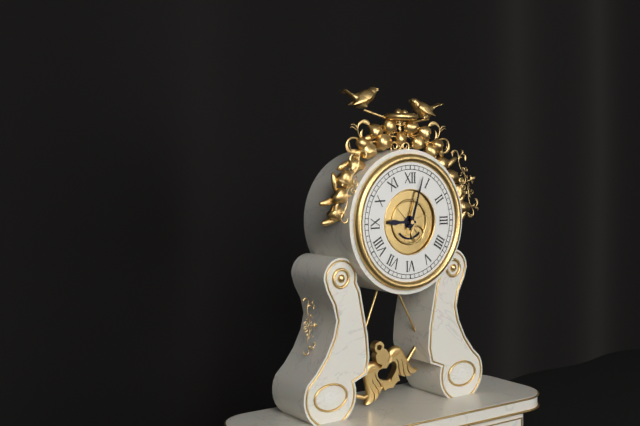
9:03
